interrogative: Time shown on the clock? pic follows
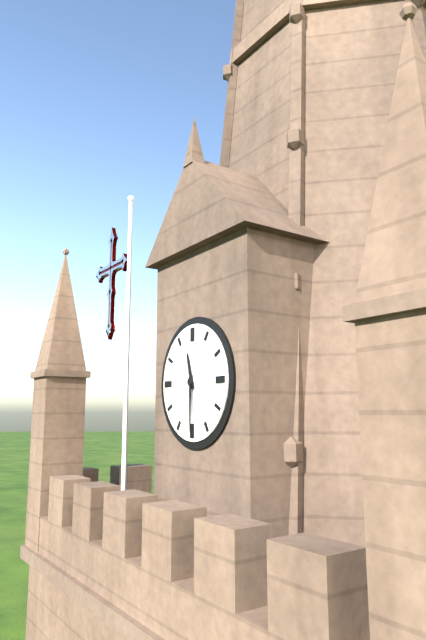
11:30
